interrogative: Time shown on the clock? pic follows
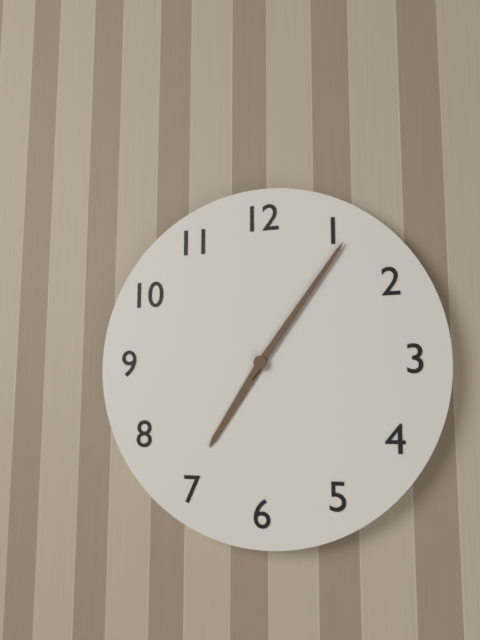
7:06
